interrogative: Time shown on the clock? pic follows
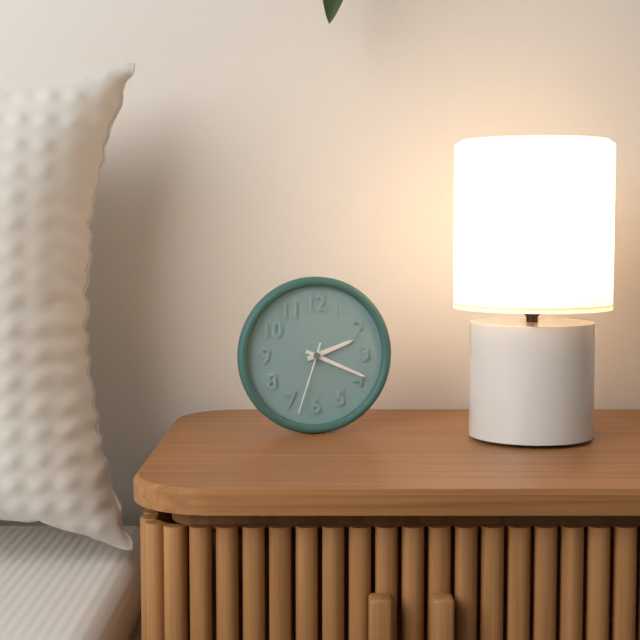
2:19:33
